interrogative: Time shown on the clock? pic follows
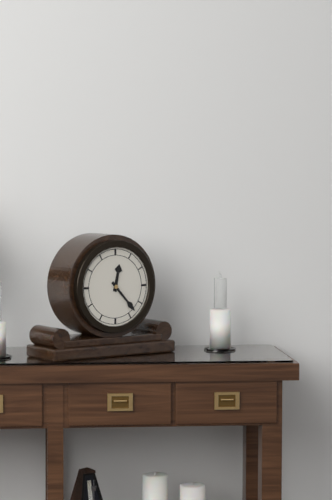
12:23
